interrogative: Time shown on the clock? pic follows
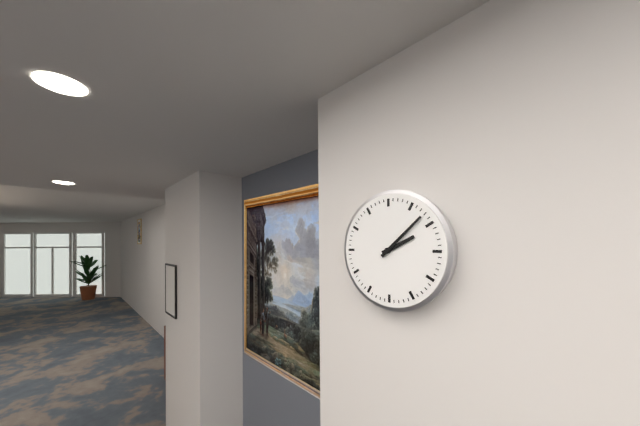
2:08
